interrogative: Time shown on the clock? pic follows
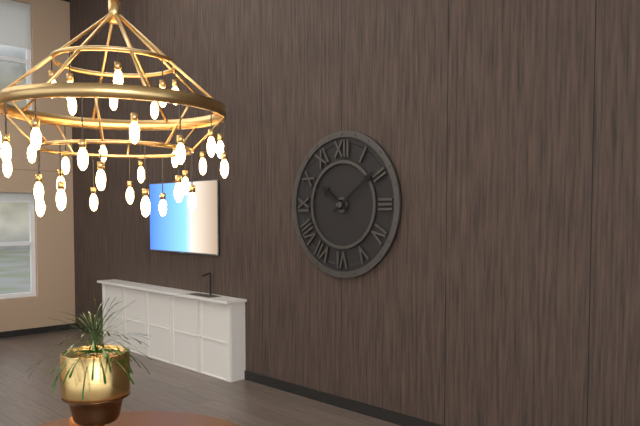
10:09
